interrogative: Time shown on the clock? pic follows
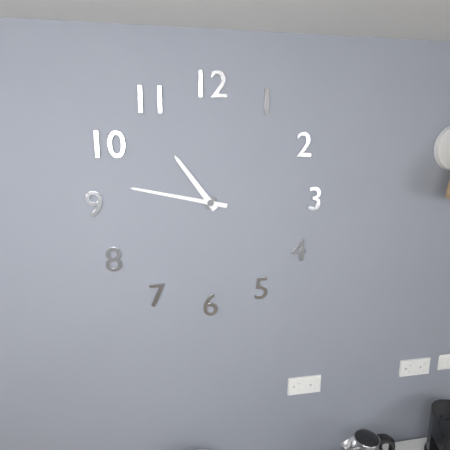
10:47
